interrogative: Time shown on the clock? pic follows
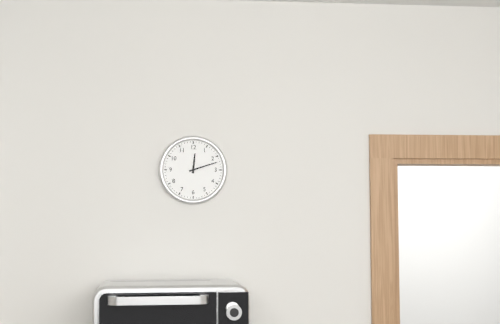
12:12
